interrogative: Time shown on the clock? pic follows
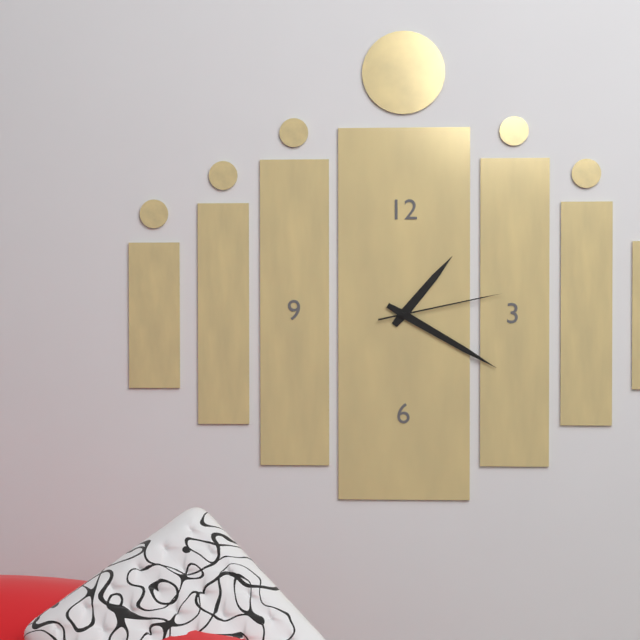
1:20:13
